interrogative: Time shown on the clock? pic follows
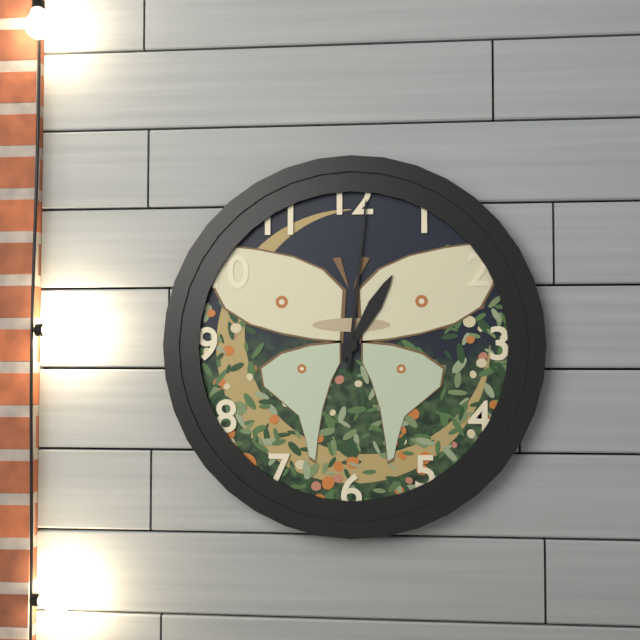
1:01
